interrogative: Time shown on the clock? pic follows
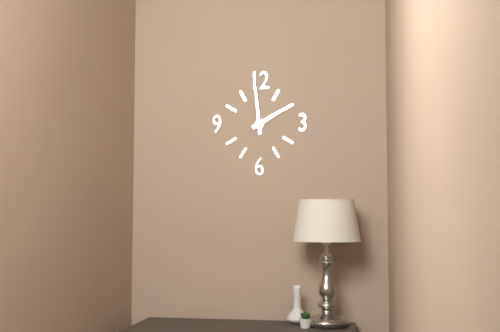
1:59
